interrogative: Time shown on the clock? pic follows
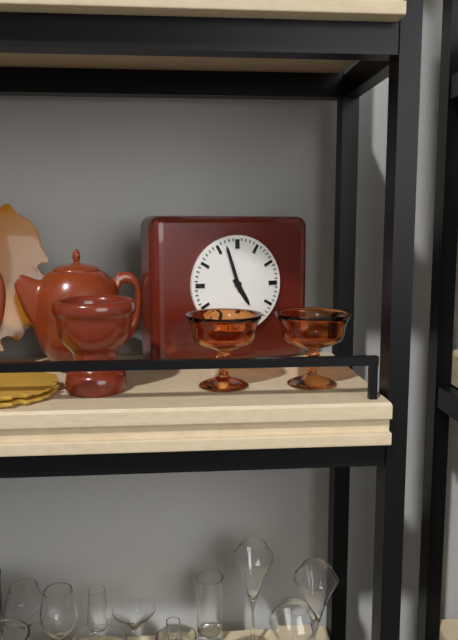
4:57
